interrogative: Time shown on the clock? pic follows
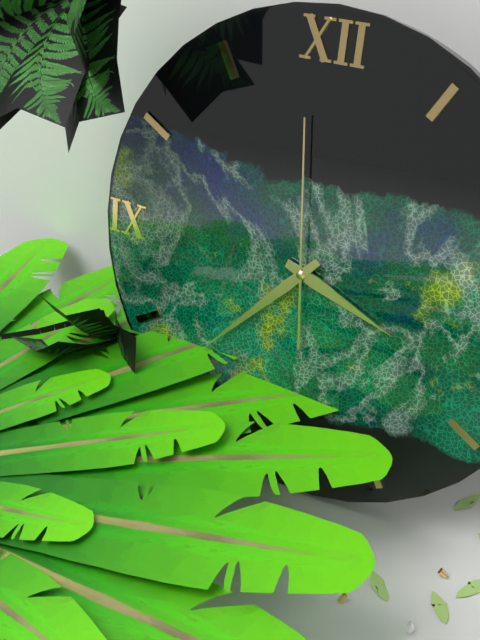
3:37:59
